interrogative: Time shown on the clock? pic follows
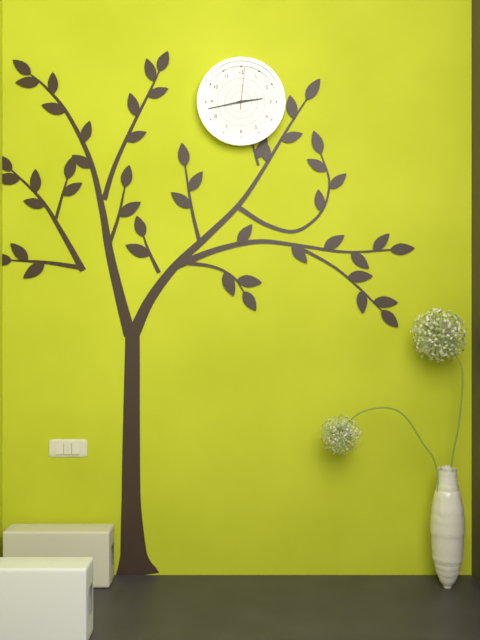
2:43
